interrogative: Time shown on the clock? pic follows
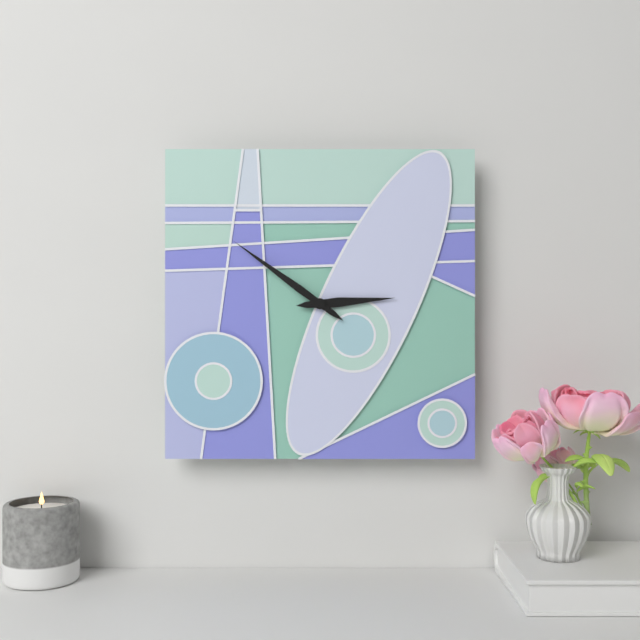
2:51
